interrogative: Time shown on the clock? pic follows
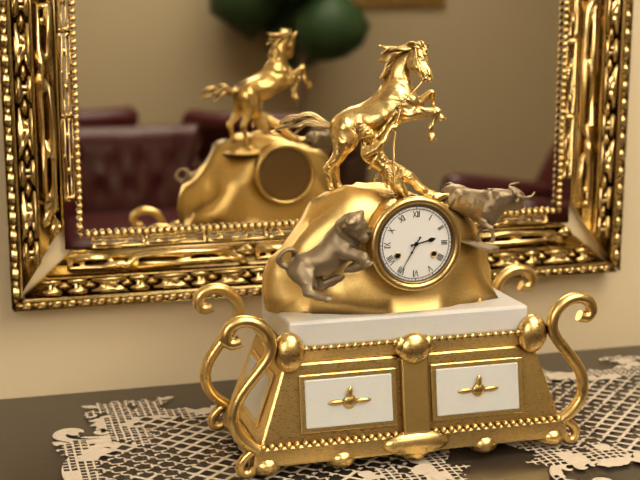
2:35
